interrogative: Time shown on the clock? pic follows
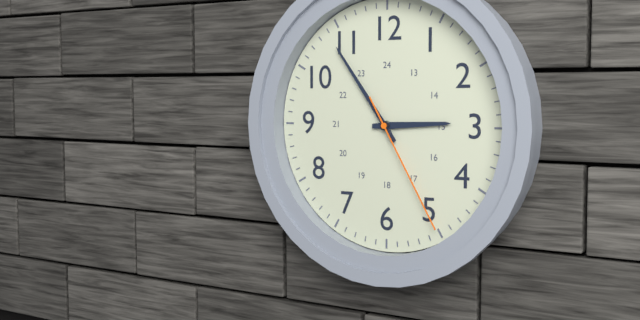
2:54:25
